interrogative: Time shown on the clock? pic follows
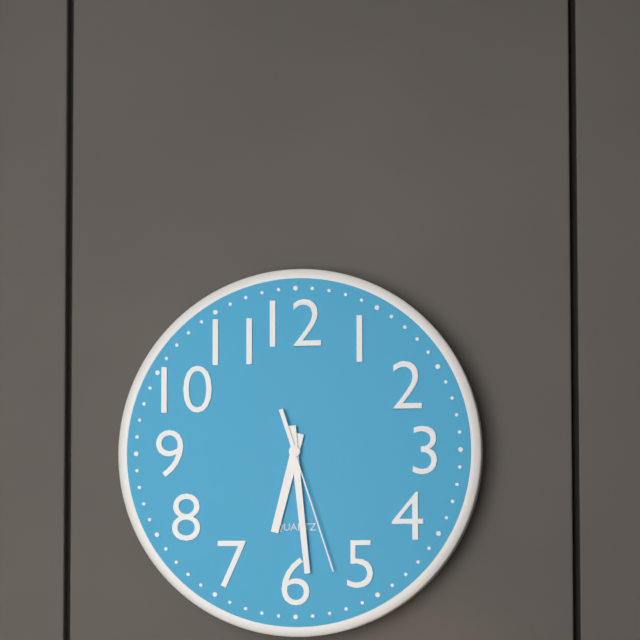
6:29:27
